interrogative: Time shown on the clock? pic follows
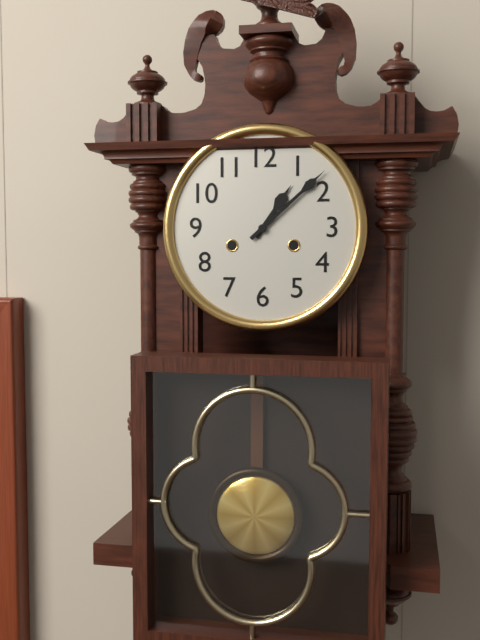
1:08
